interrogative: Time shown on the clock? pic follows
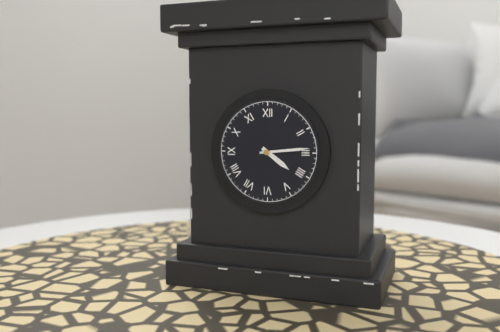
4:14
